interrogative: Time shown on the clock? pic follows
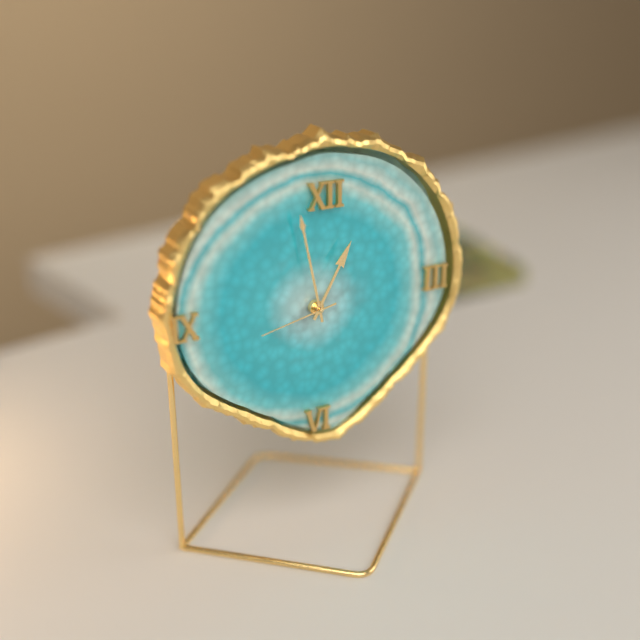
12:58:43
